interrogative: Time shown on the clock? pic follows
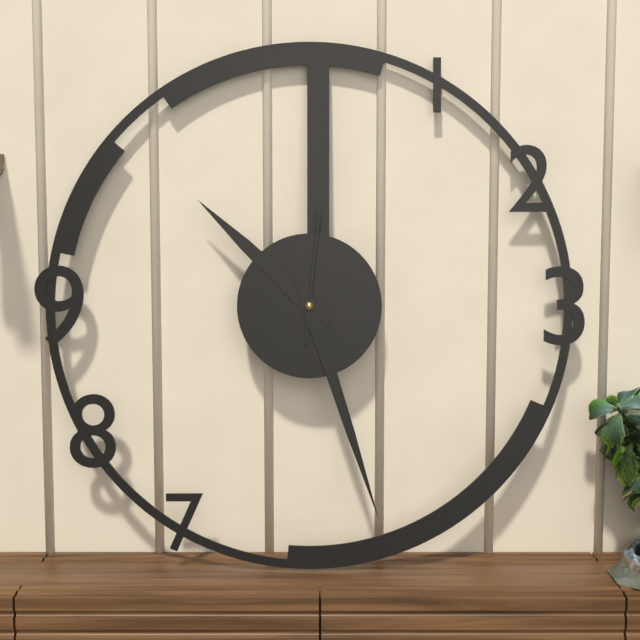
10:27:01
